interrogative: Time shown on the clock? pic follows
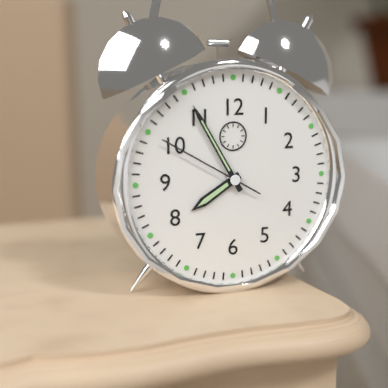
7:55:50
